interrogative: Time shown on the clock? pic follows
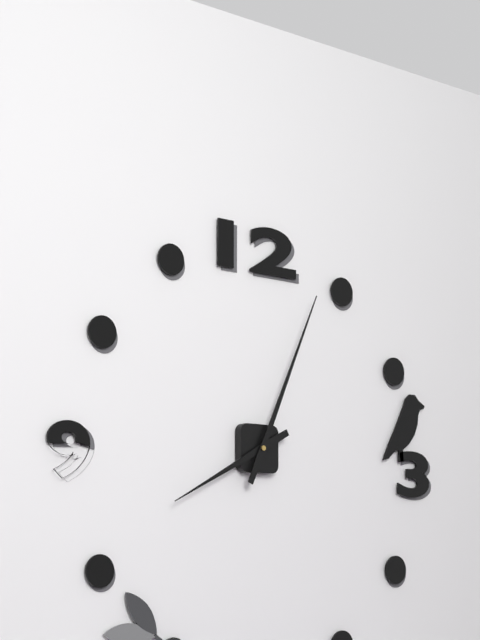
8:04
